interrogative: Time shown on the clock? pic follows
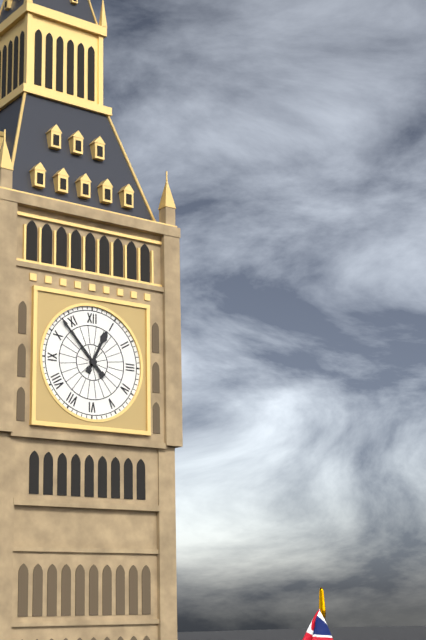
12:53
